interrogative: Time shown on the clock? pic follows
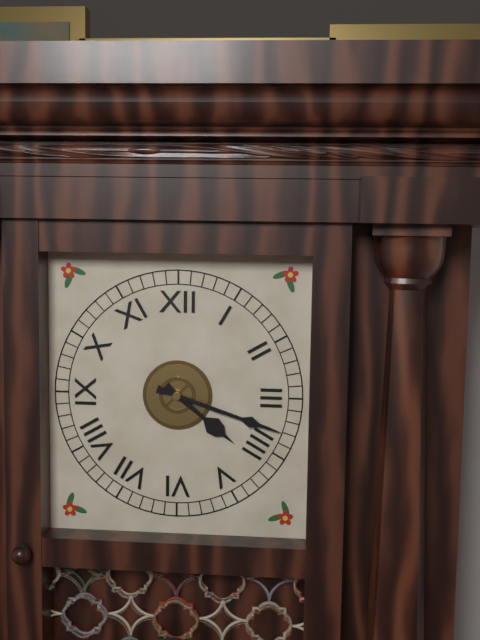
4:18
